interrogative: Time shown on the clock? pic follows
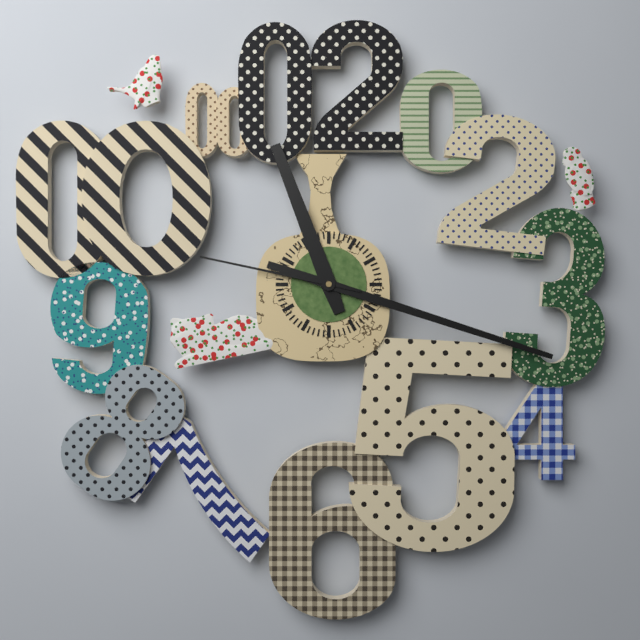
11:18:47
